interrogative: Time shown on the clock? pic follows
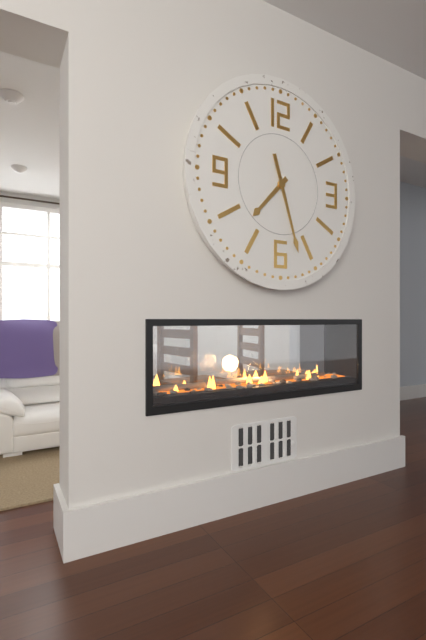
7:27
